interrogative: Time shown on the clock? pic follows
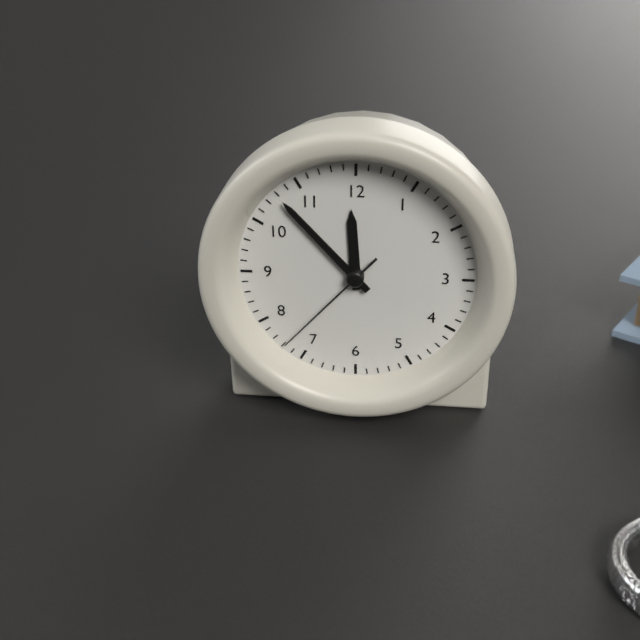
11:53:37
